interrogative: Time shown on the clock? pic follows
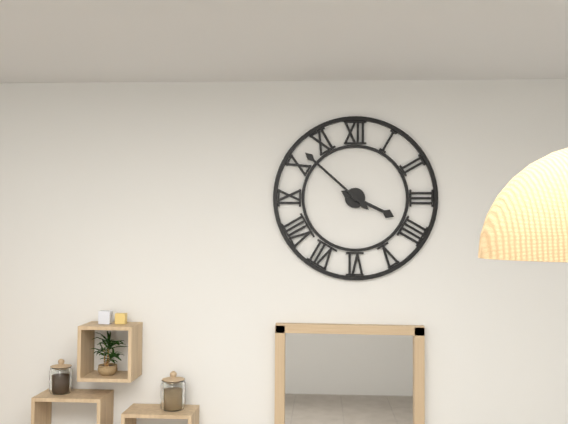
3:52
